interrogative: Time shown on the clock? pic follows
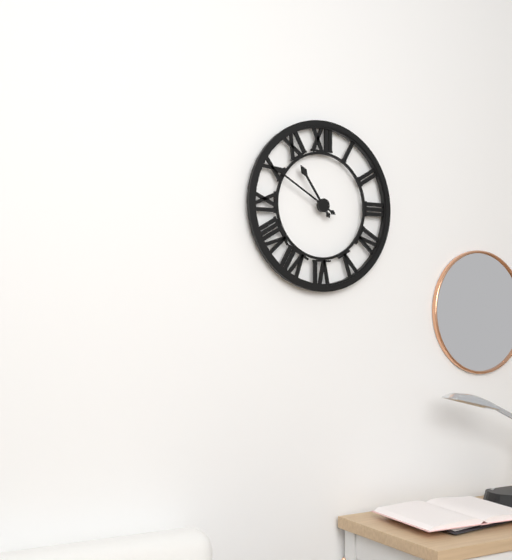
10:50
